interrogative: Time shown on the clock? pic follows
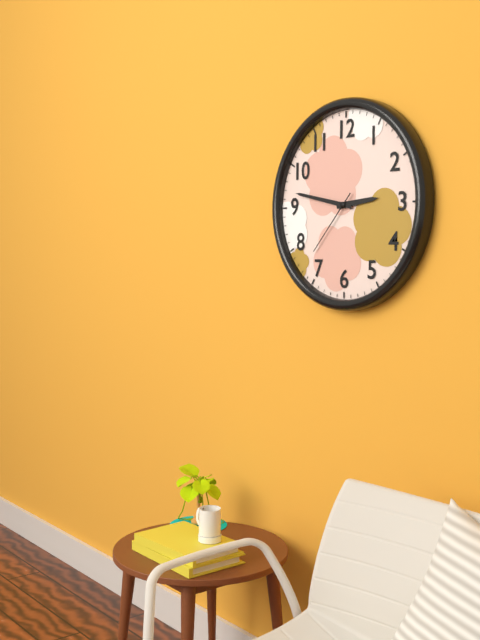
2:47:37
